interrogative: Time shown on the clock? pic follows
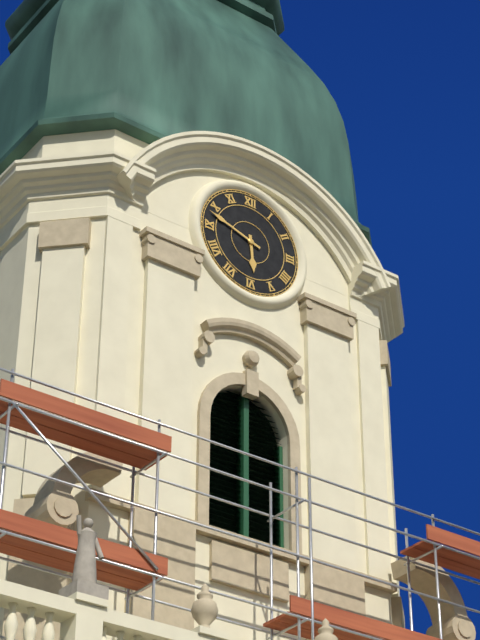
5:48
